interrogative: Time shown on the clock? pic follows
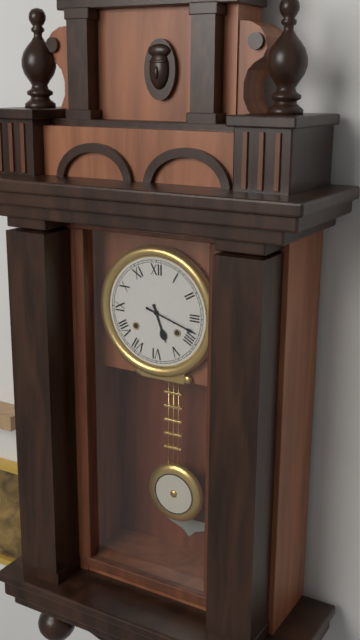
5:18
